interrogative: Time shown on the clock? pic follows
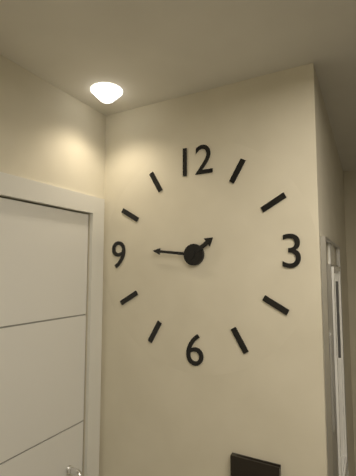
1:46
